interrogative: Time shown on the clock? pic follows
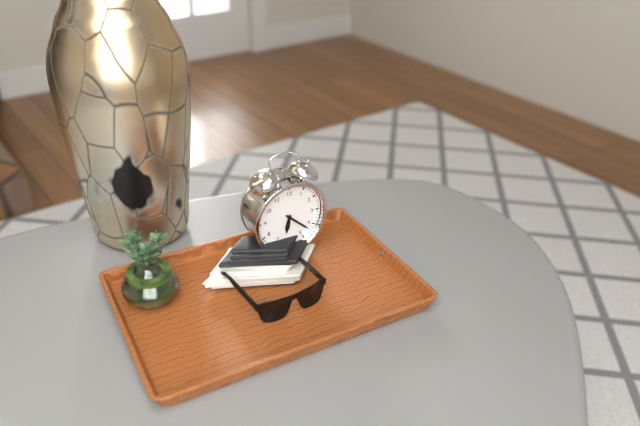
6:22
